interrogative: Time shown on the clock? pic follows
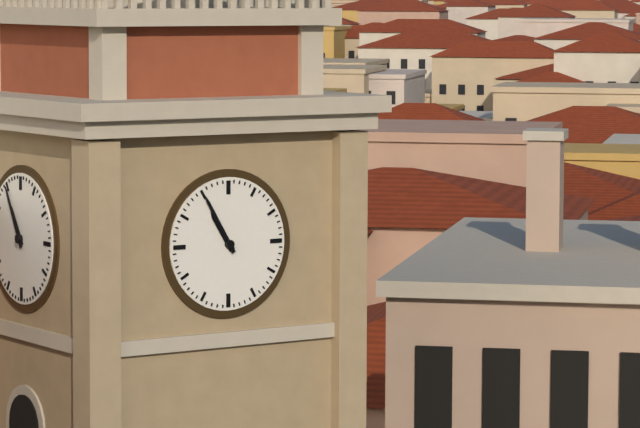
10:55
